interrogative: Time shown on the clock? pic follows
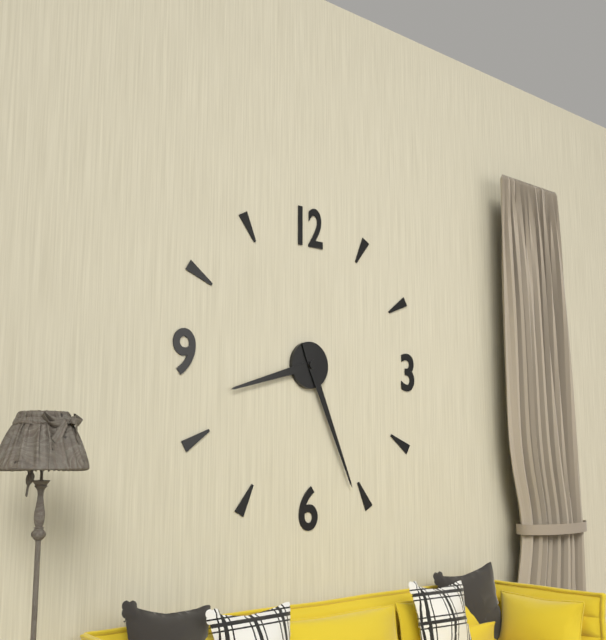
8:26
